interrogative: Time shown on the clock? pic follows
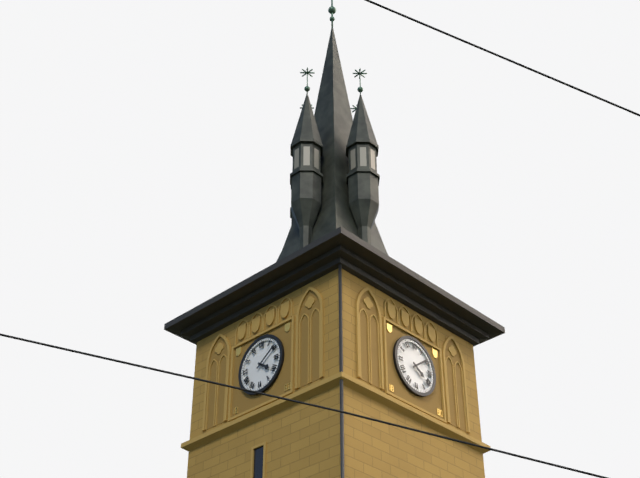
4:09
